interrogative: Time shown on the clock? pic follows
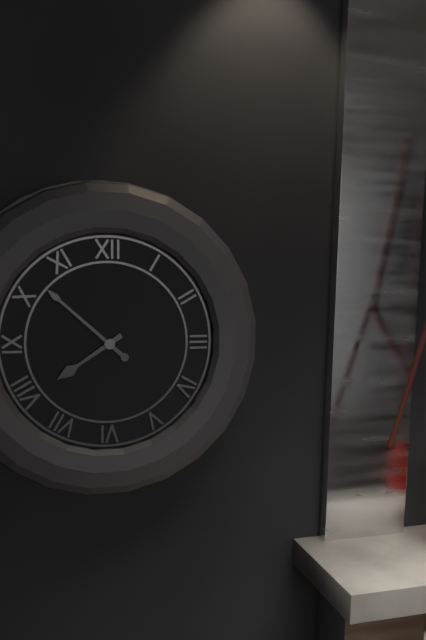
7:52
